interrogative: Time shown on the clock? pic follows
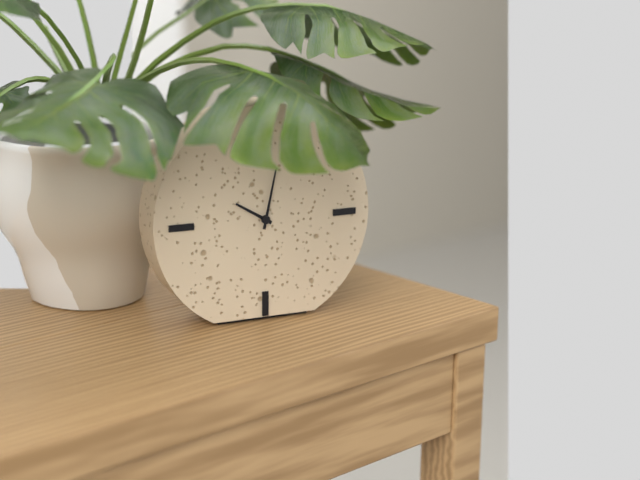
10:02
